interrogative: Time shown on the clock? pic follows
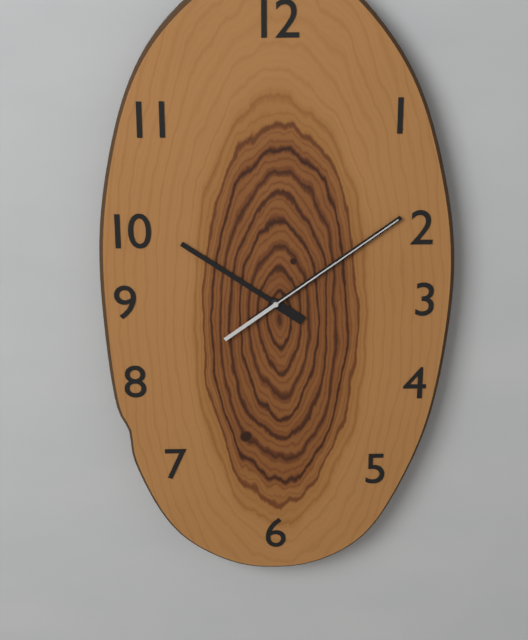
10:09:09
